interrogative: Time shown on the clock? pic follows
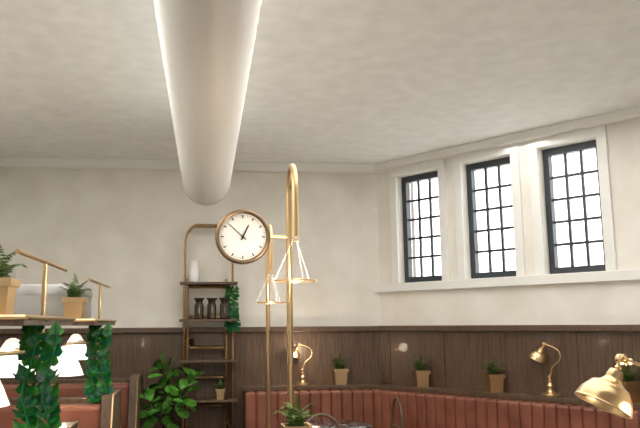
12:52
